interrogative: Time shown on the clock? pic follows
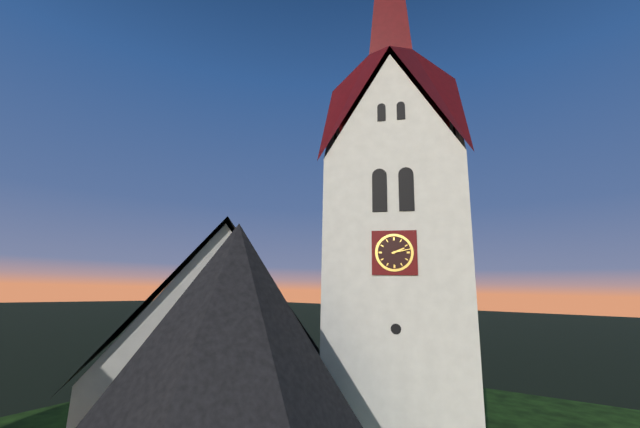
2:13
